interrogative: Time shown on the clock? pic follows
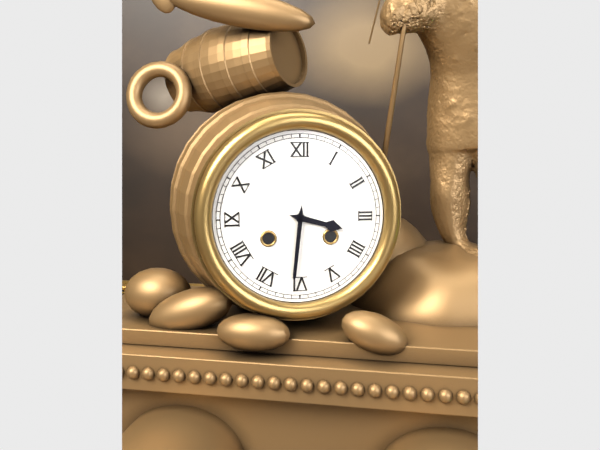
3:31
